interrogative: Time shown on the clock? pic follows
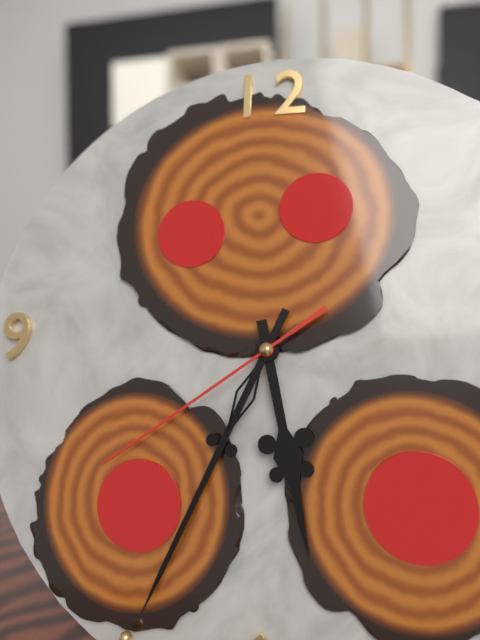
5:34:39
